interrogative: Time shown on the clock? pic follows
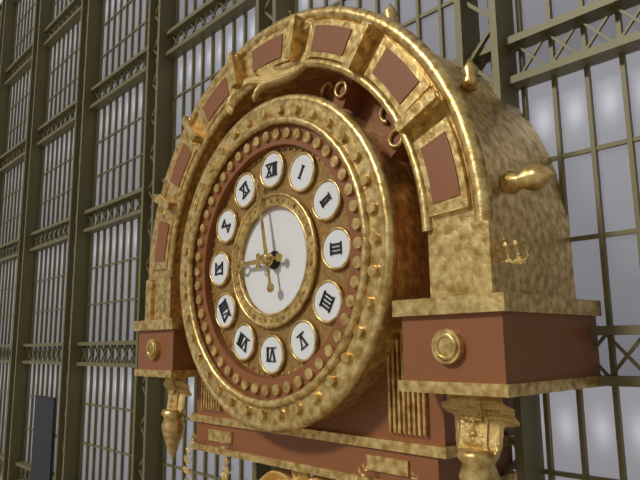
8:58
